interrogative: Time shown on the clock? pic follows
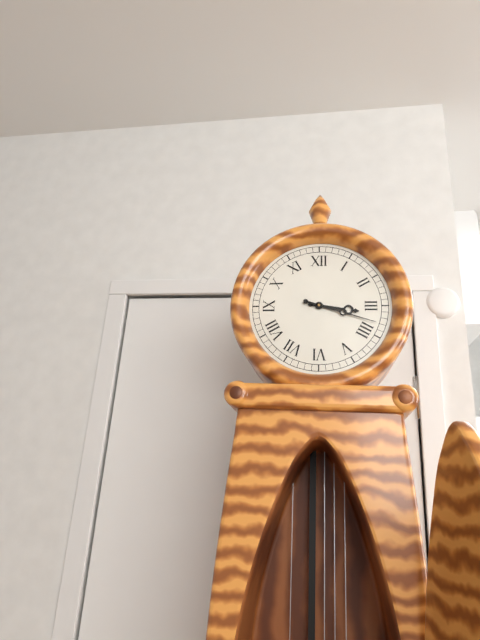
3:18
